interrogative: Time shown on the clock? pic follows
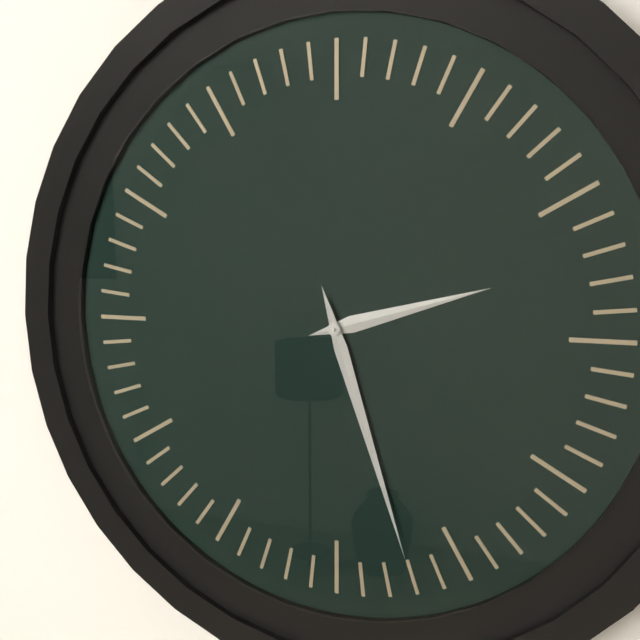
2:27
